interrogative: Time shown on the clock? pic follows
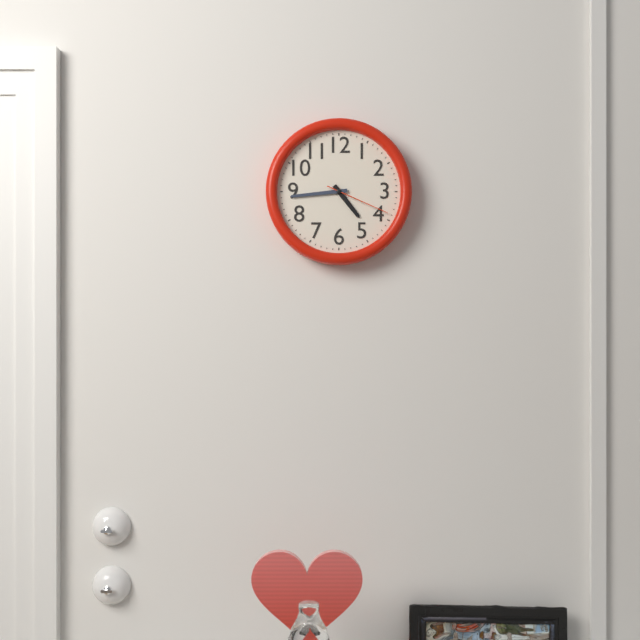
4:44:19
